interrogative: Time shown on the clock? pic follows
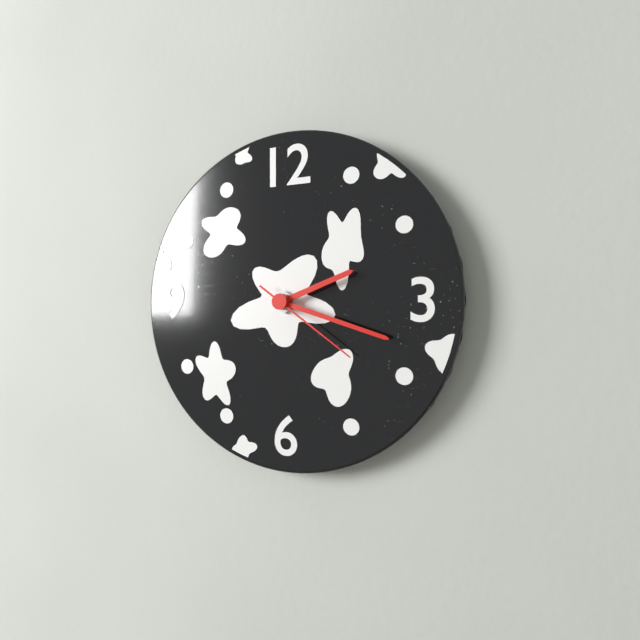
2:18:21
